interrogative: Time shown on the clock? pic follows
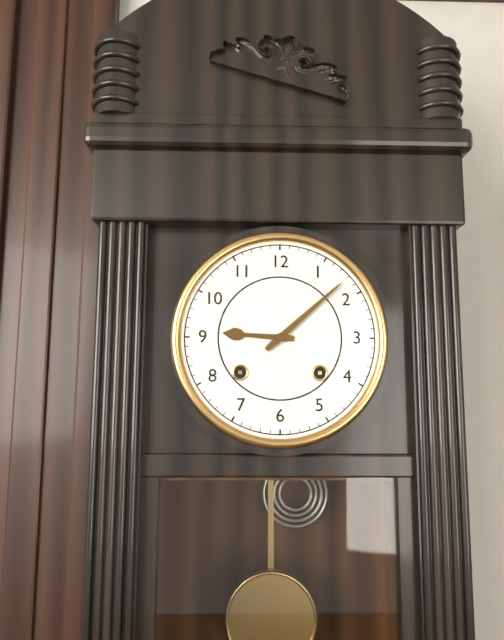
9:08
